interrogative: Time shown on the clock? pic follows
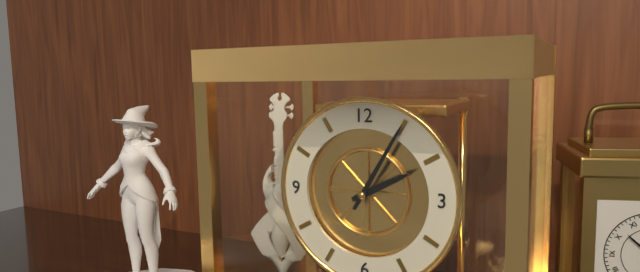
2:05
